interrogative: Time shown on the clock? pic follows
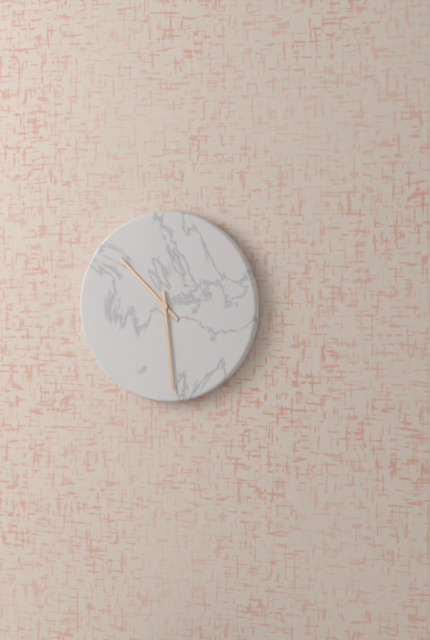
10:29
